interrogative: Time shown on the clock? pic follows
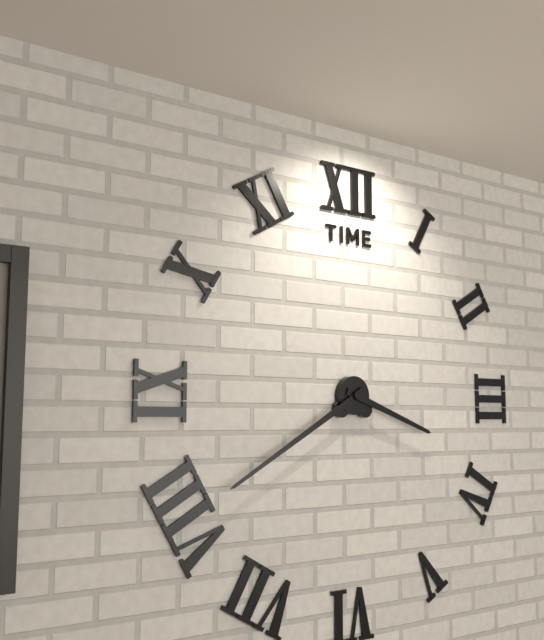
3:40
